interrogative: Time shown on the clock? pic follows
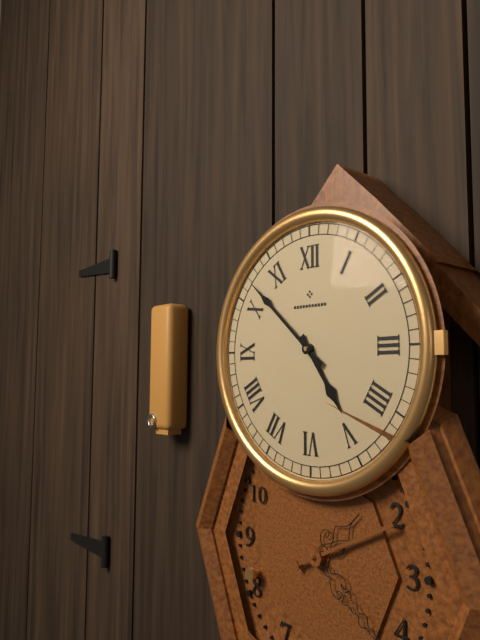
4:52
